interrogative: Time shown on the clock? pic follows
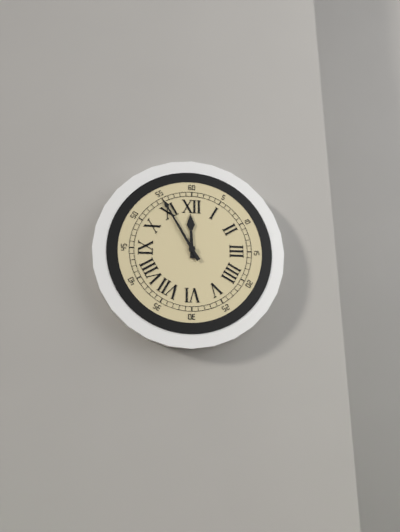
11:55
